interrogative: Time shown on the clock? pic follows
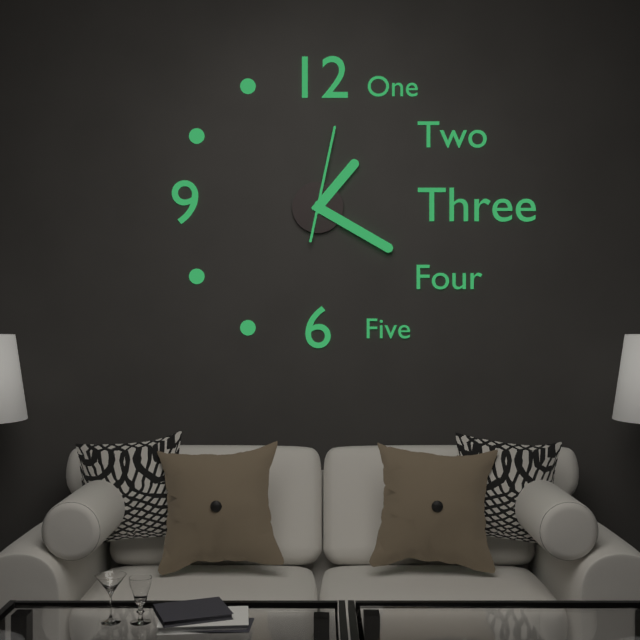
1:20:02
